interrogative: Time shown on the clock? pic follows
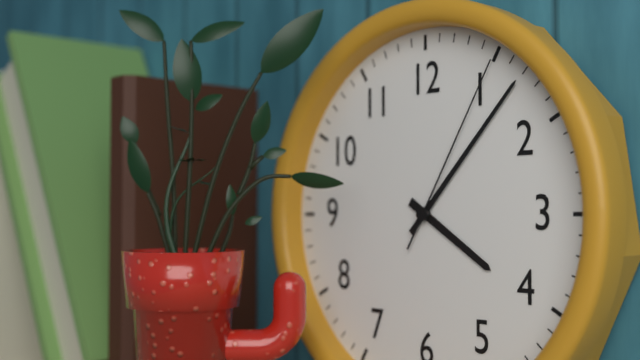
4:07:05
